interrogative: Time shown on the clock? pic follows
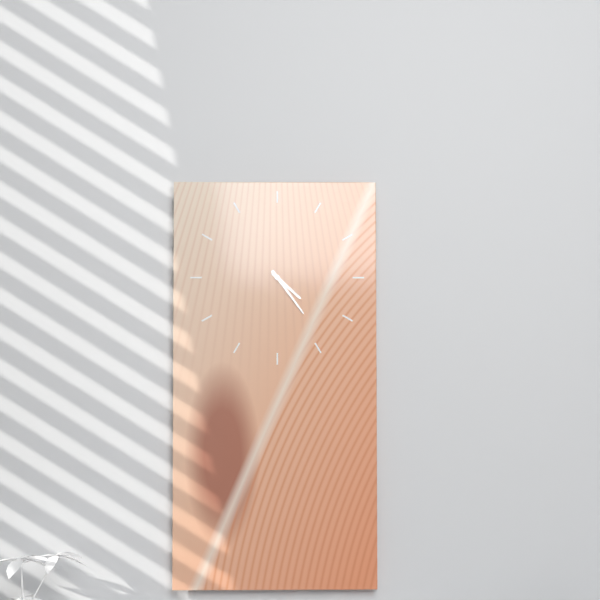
4:24
